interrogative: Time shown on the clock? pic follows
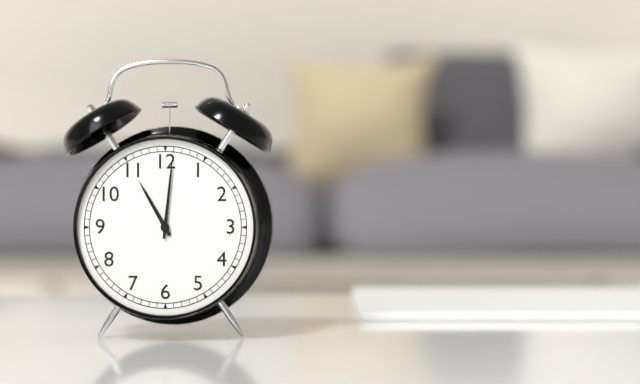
11:01
